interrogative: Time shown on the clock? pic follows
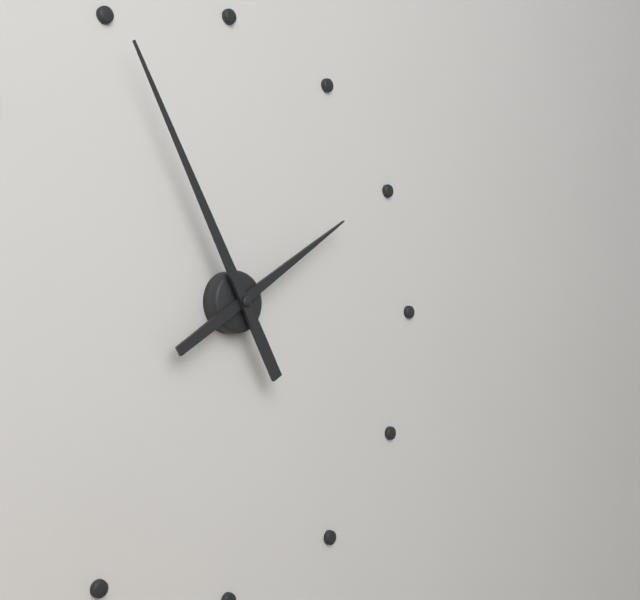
1:55
